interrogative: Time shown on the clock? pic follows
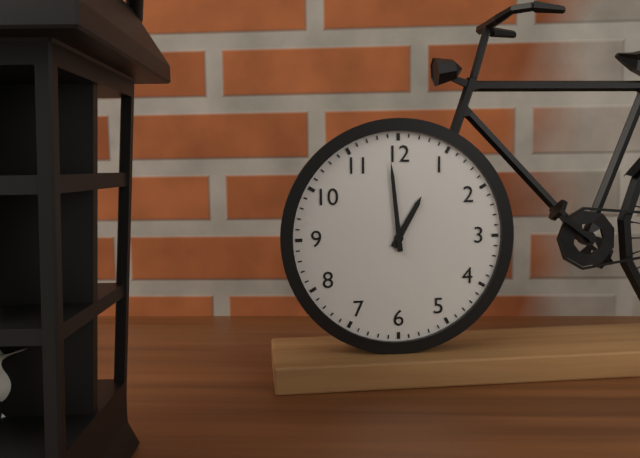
12:59
